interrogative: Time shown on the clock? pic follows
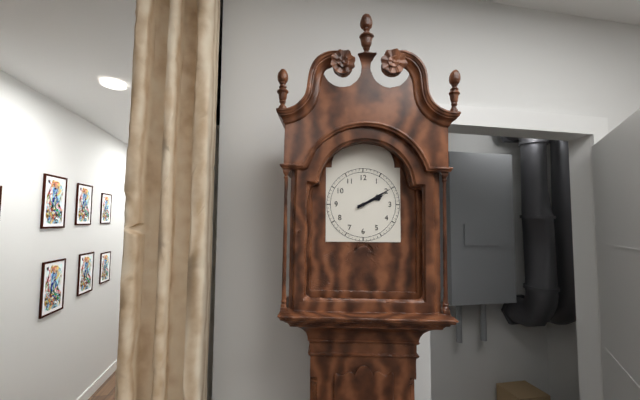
2:10
